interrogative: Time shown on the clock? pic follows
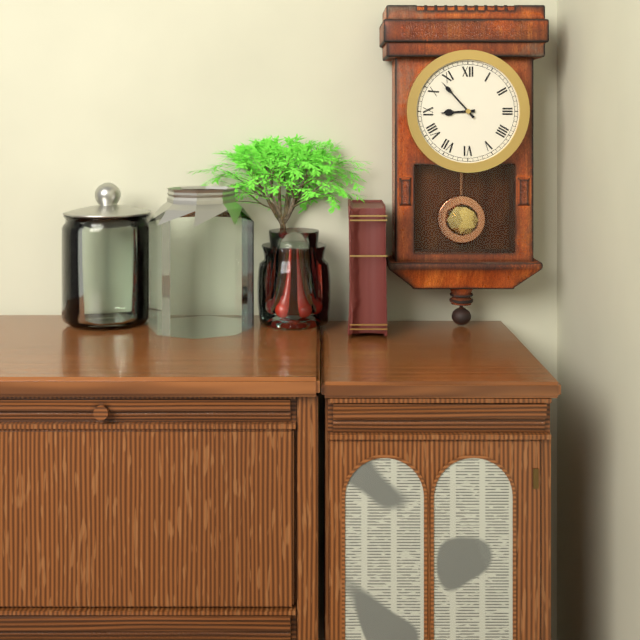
8:53
